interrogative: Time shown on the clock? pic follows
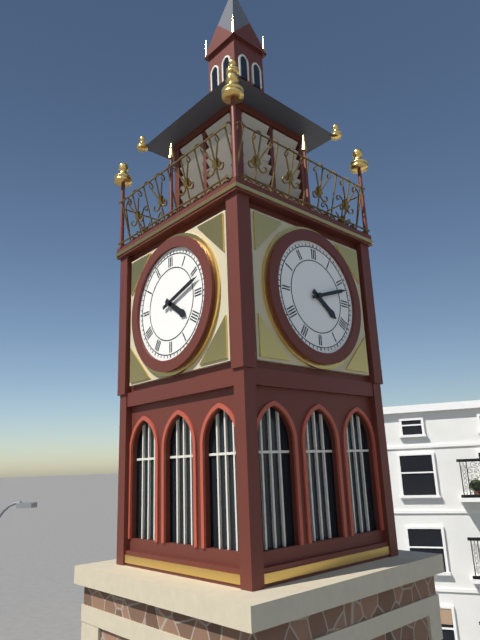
4:12
